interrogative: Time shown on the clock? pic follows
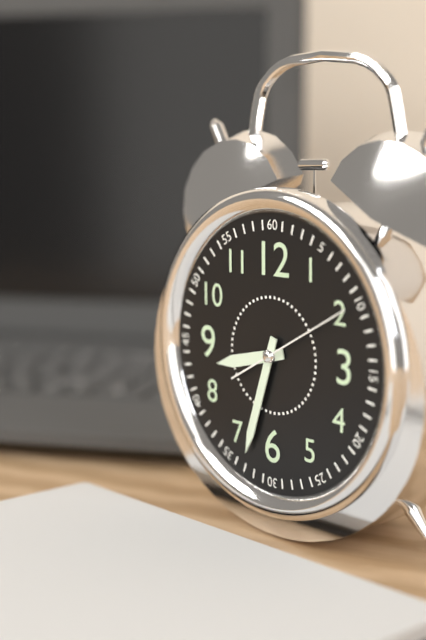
8:33:10
